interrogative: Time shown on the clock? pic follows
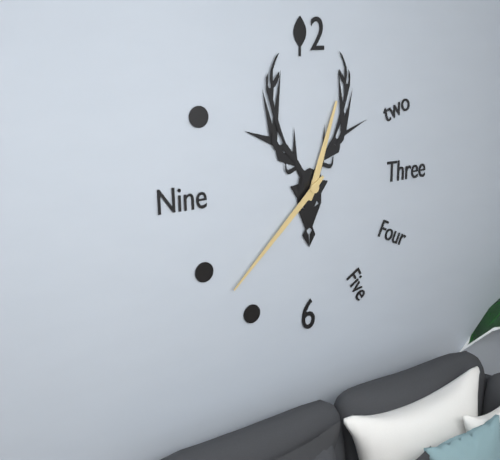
12:38
